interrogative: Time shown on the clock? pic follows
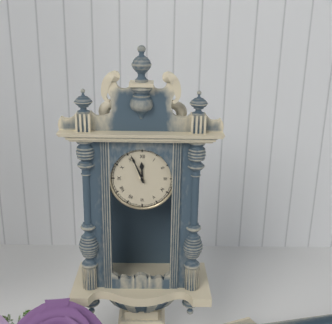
11:56
